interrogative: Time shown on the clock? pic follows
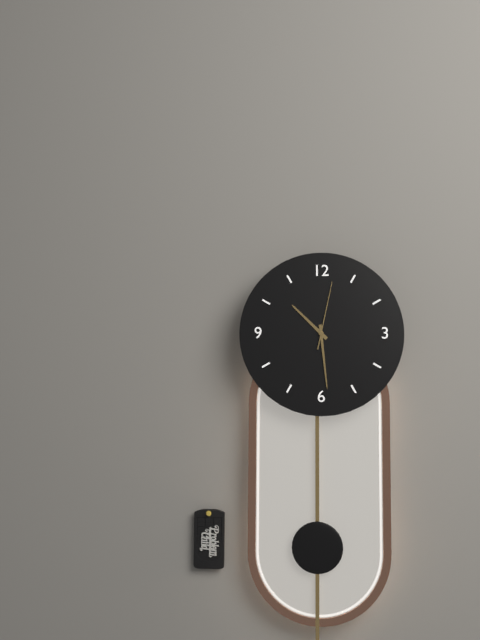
10:29:02
